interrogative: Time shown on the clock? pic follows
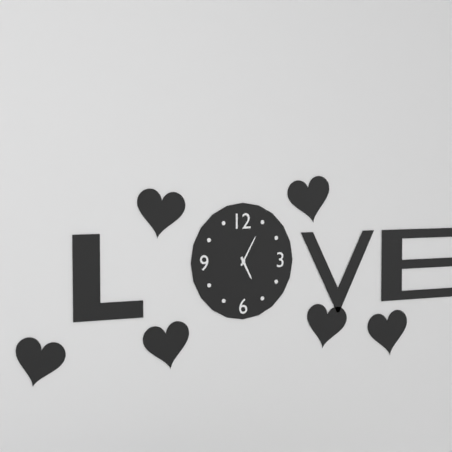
5:05
